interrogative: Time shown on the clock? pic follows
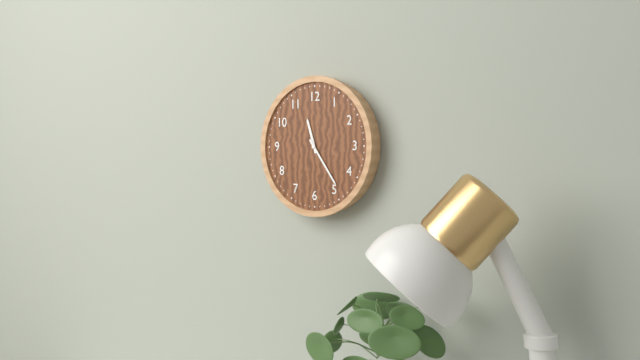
11:24
